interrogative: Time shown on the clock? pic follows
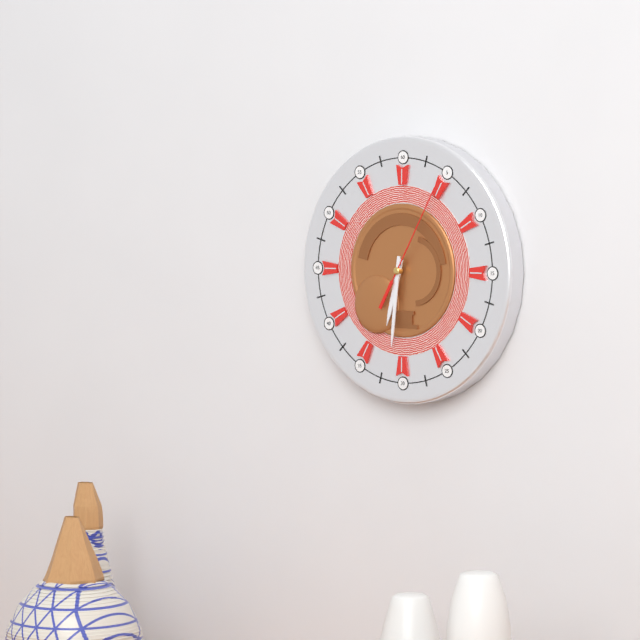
6:31:05
